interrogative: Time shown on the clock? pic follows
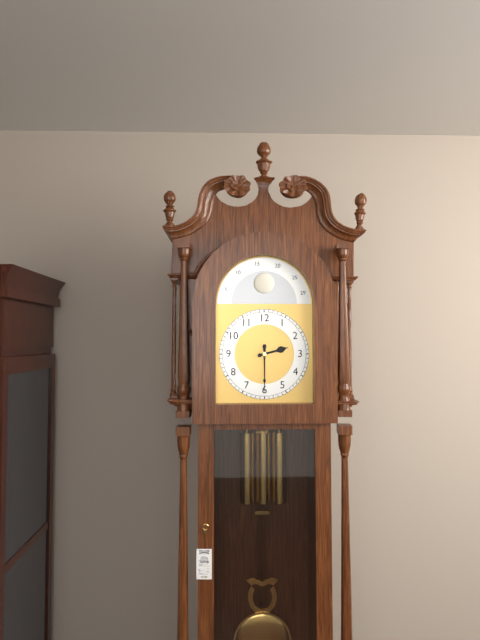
2:30
